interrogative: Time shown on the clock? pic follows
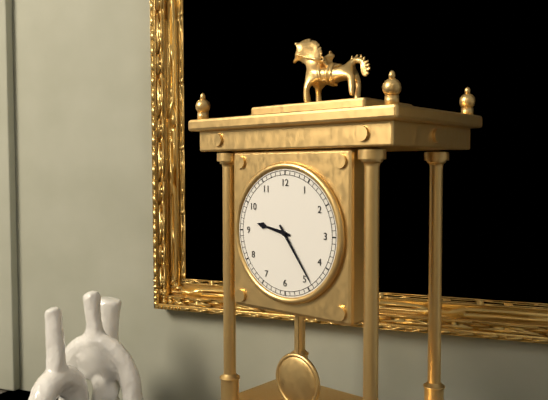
9:24
